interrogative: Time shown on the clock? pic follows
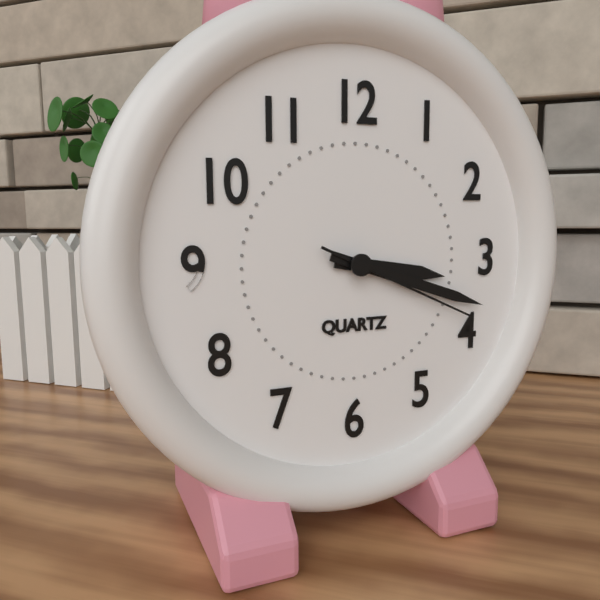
3:18:19
